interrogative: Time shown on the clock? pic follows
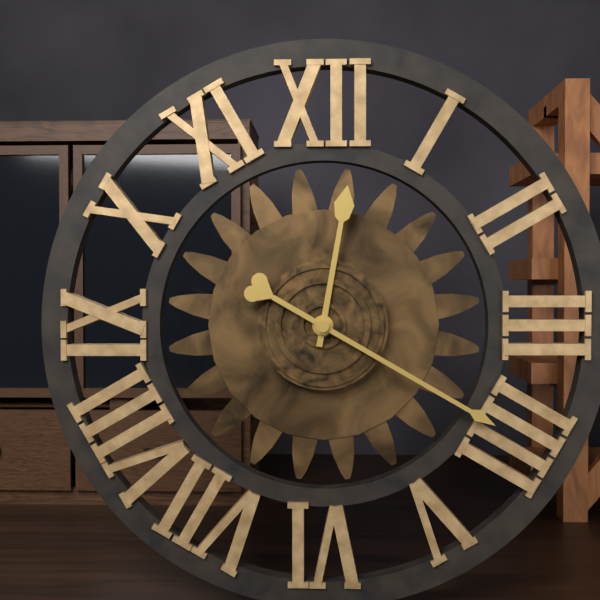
12:20
